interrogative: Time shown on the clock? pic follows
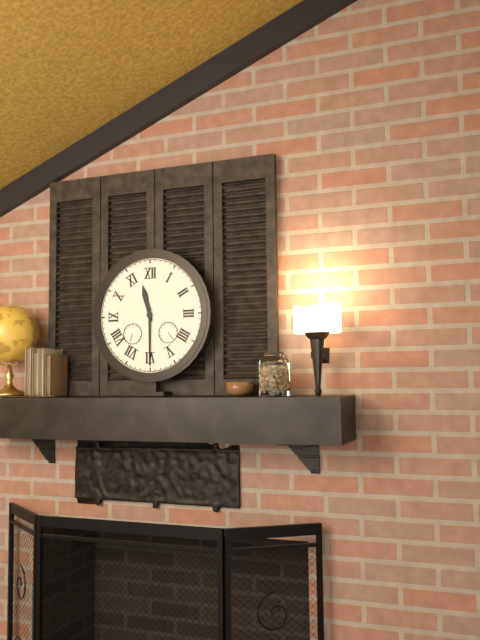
11:30
